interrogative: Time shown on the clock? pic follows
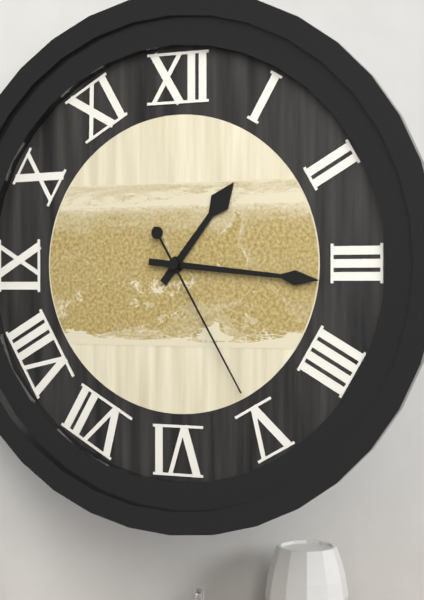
1:16:25
